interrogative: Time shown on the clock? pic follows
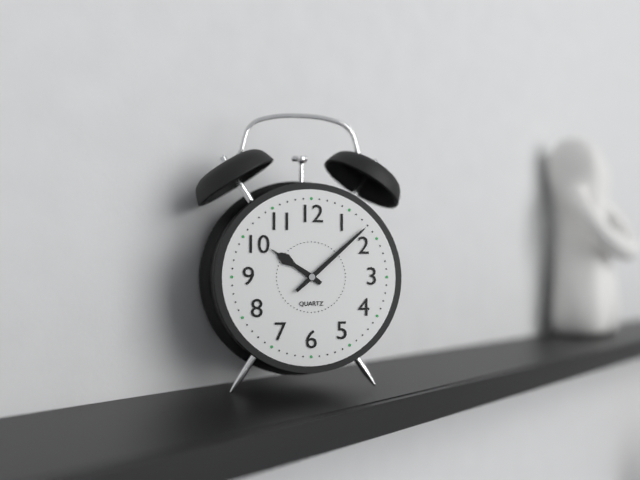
10:08
